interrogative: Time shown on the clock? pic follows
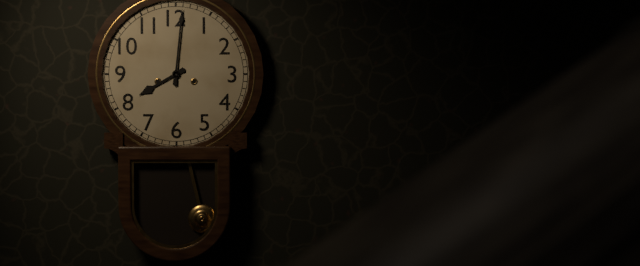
8:01
